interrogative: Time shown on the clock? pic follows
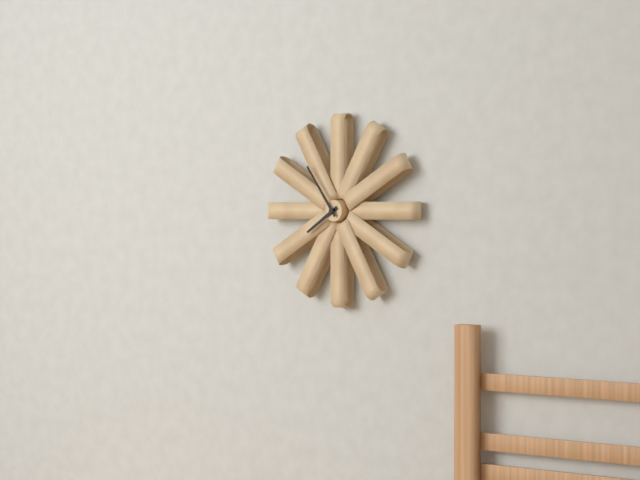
7:54
